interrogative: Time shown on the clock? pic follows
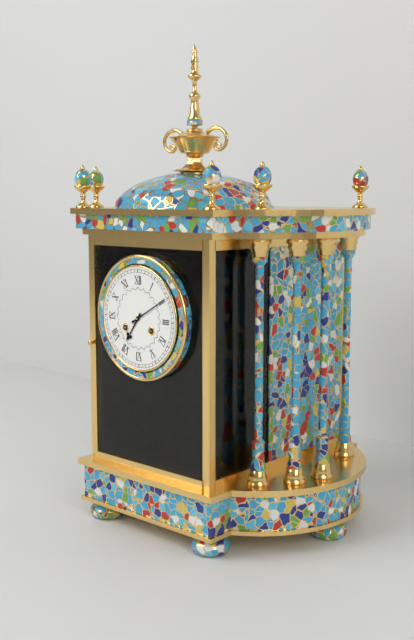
7:10
